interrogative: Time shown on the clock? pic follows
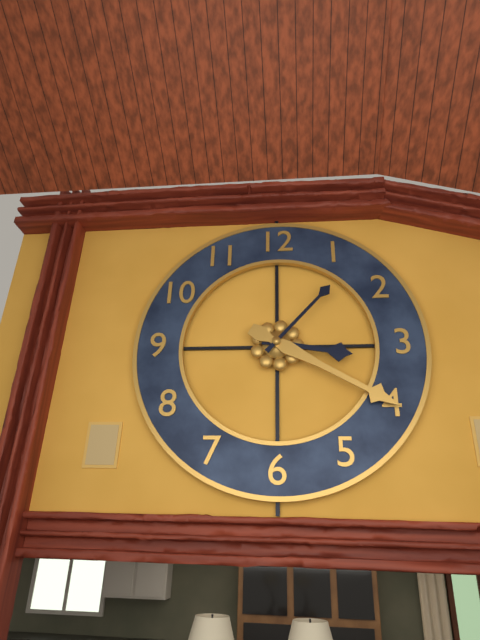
3:20:07
